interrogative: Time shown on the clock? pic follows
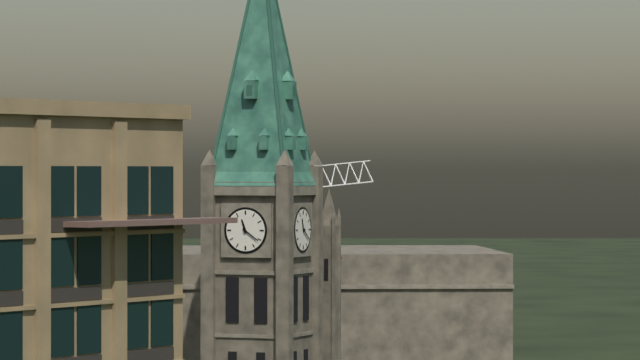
11:21
